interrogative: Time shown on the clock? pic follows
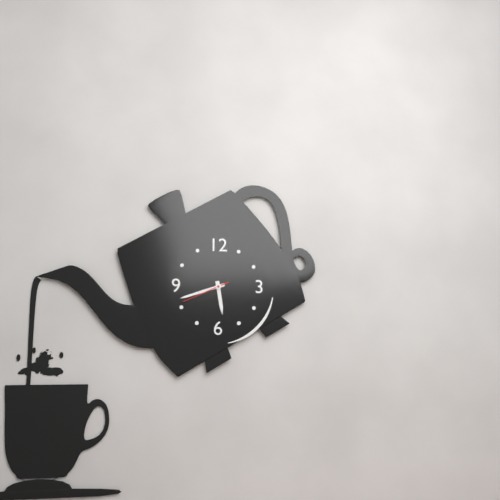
5:42
